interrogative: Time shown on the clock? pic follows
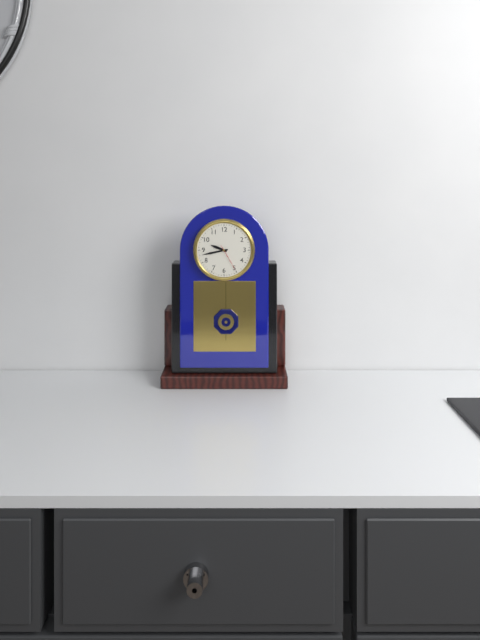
9:43
